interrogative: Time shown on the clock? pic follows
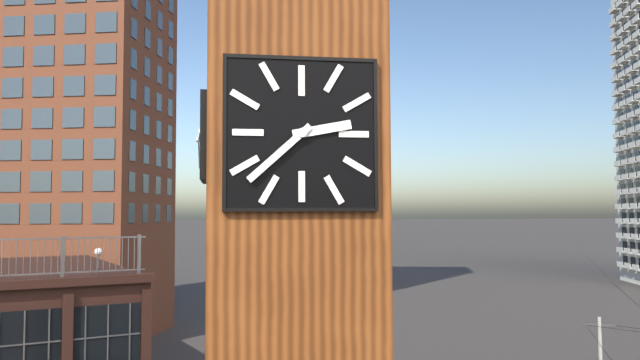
2:38
